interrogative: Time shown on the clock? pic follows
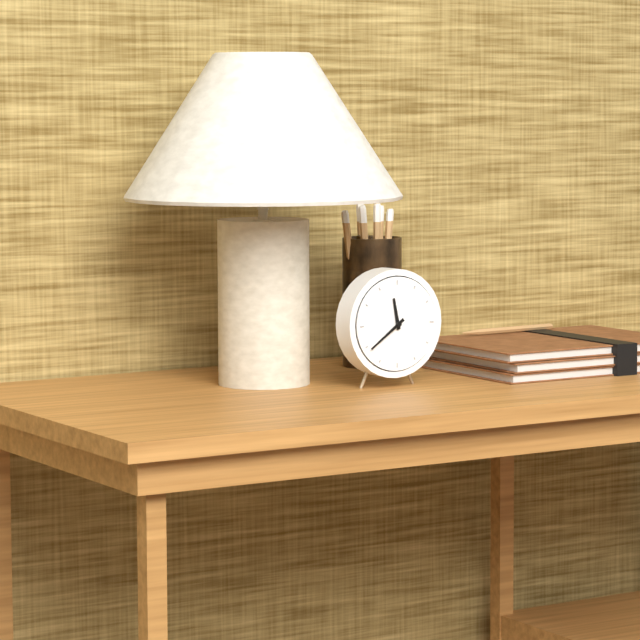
11:39
